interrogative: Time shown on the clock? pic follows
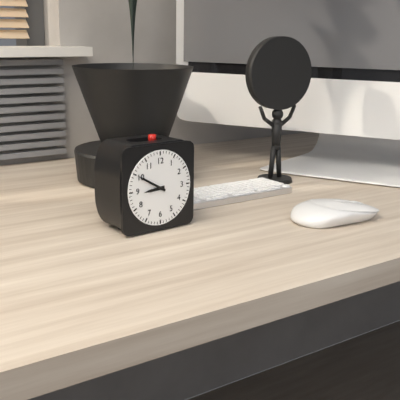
8:50
